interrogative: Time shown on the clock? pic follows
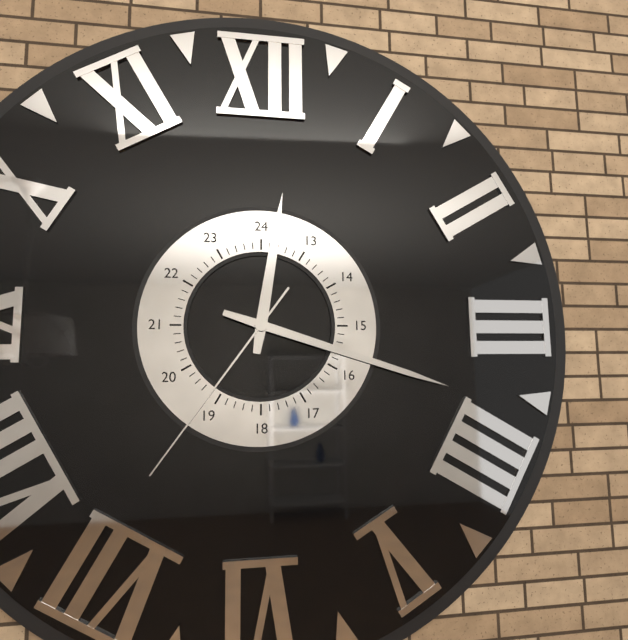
12:18:36
